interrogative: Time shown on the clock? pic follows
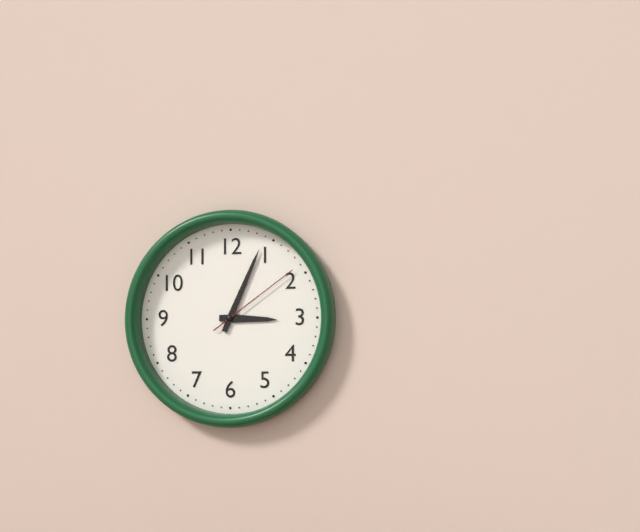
3:04:09
